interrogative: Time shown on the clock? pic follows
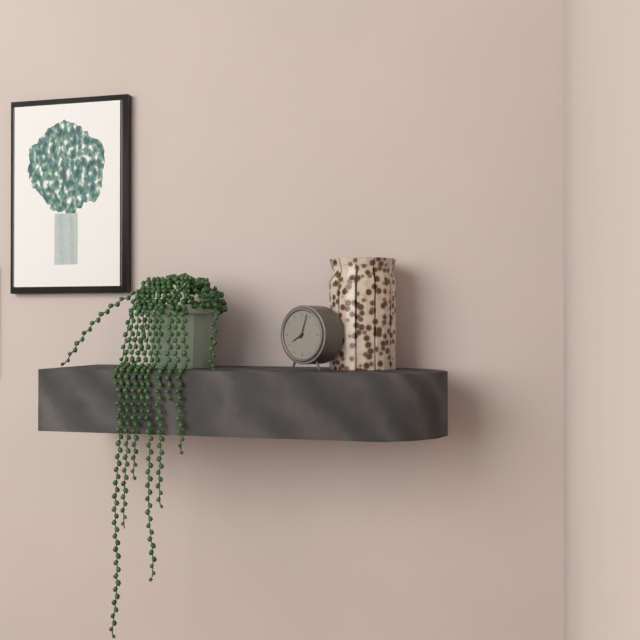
8:03
